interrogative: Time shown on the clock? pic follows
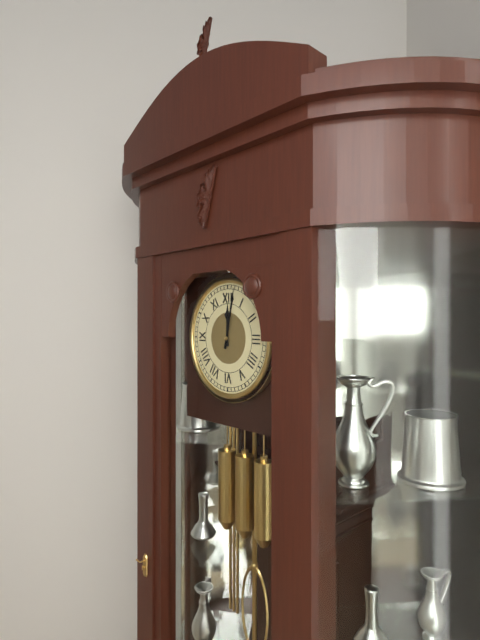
12:02
